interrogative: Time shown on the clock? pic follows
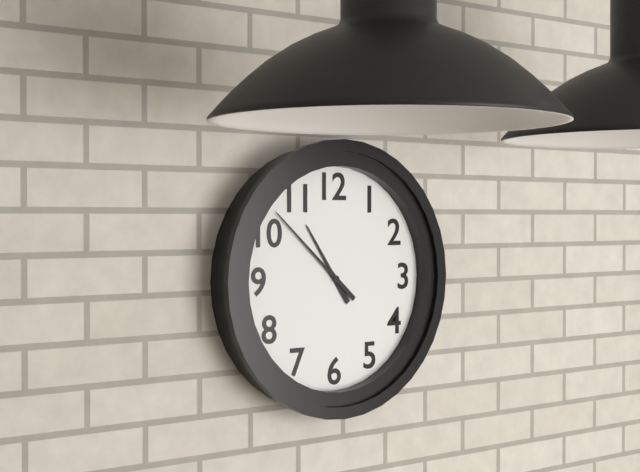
10:52
